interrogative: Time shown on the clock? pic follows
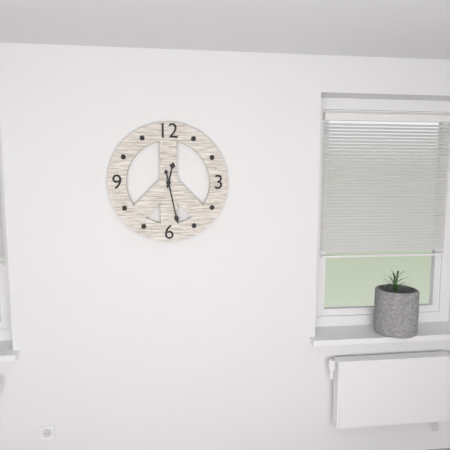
12:28
